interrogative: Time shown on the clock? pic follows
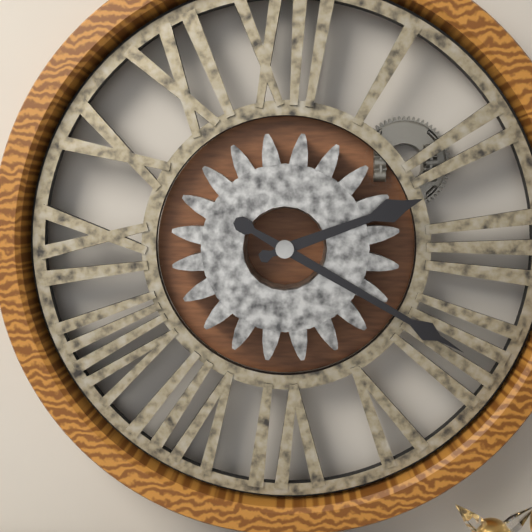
2:20
